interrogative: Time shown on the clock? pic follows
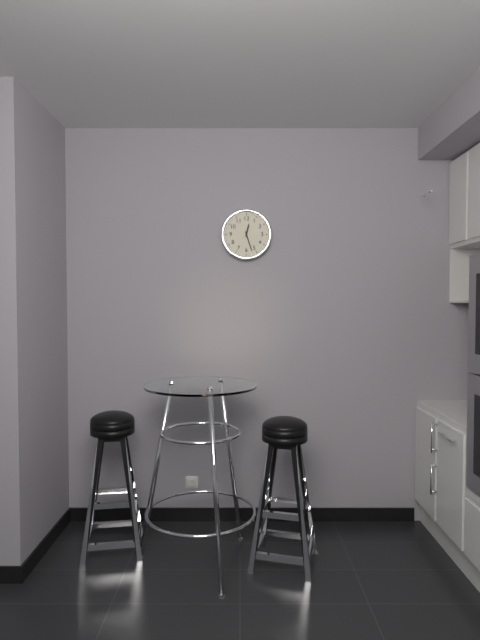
12:27
